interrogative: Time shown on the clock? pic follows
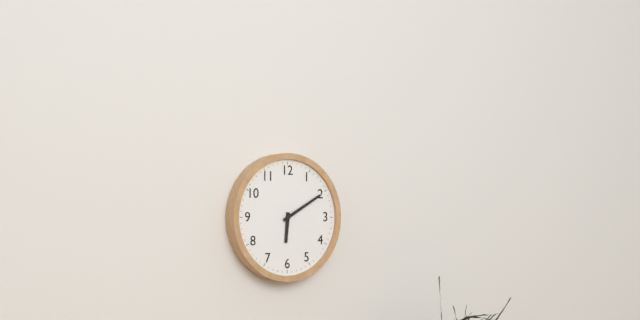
6:10
